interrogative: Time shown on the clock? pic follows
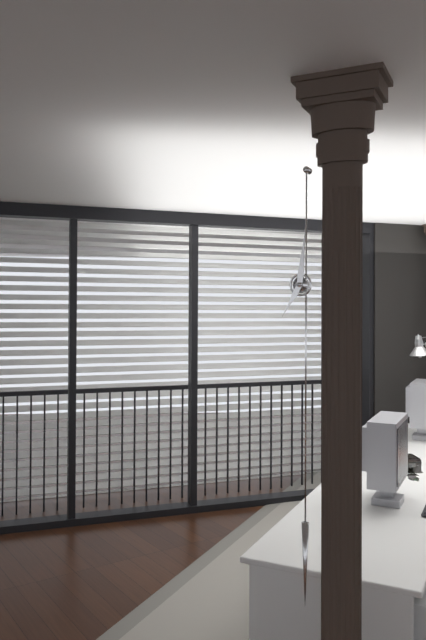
7:01
